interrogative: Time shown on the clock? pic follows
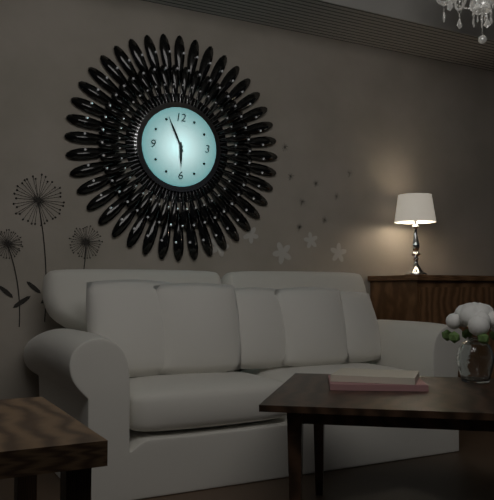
5:56
